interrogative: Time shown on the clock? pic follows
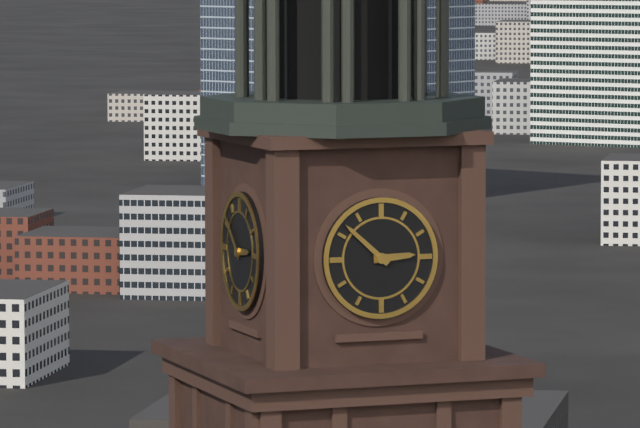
2:52
